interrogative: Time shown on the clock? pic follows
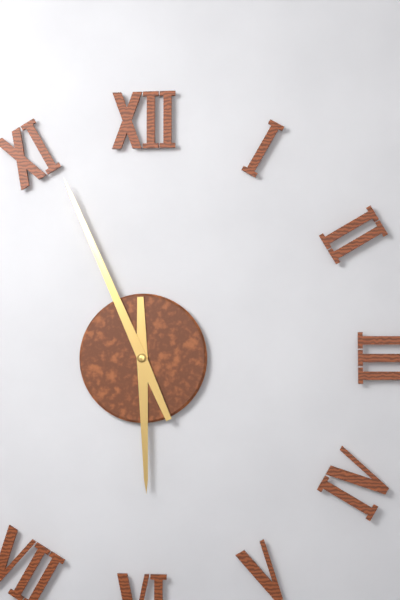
5:56
